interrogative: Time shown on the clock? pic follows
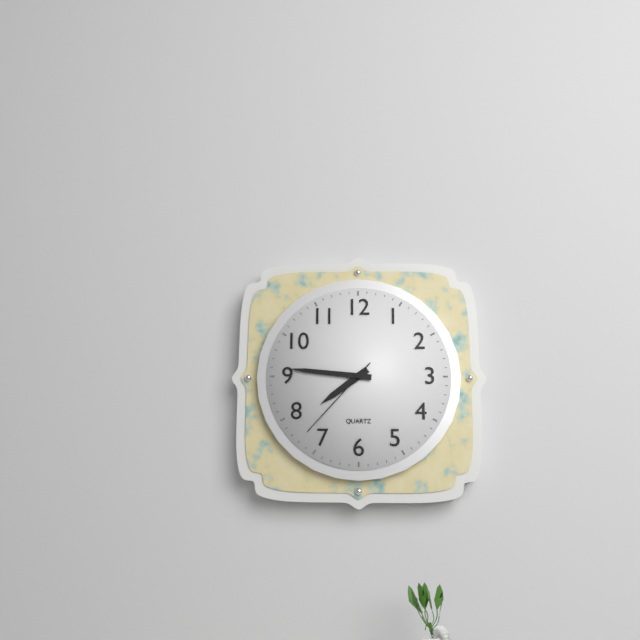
7:46:37
